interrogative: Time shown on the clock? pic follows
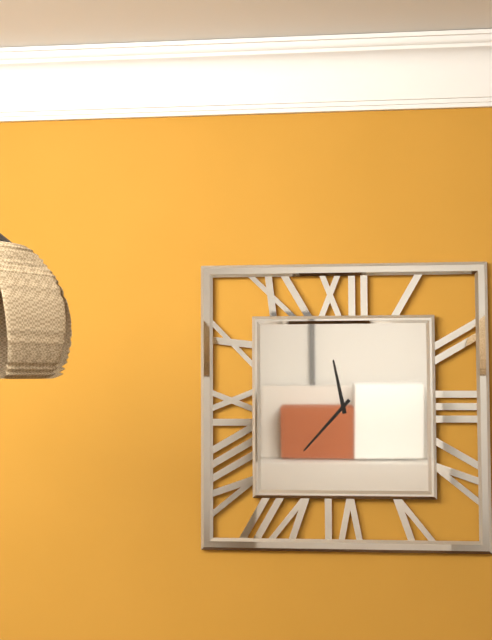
11:37
